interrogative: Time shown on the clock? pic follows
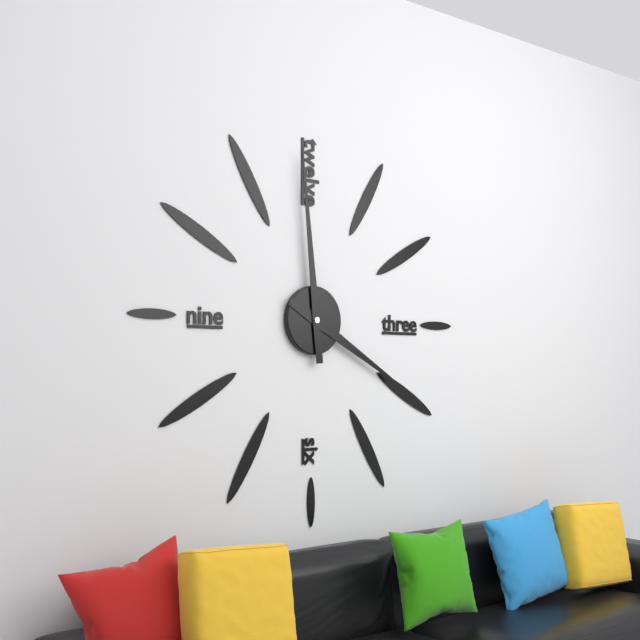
3:59
